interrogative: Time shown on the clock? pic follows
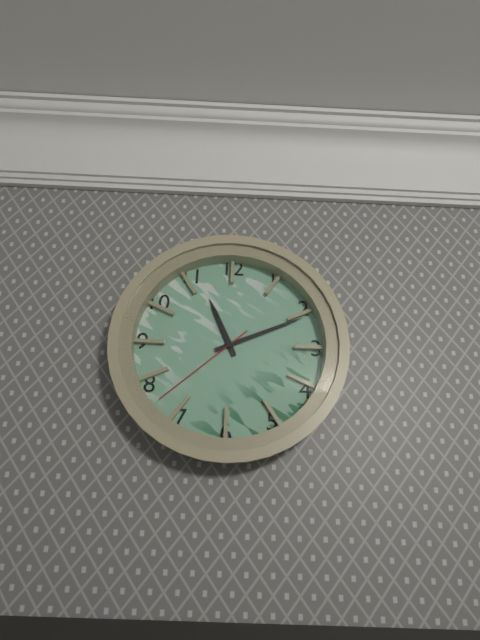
11:11:38
